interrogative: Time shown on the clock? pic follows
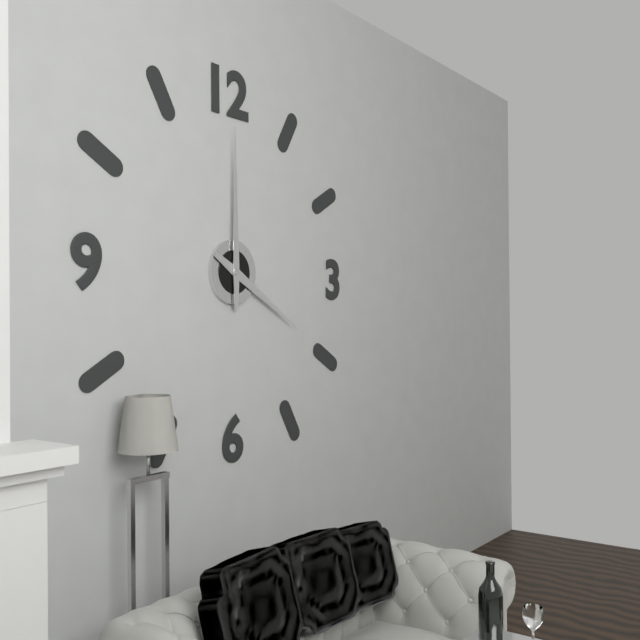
4:00
